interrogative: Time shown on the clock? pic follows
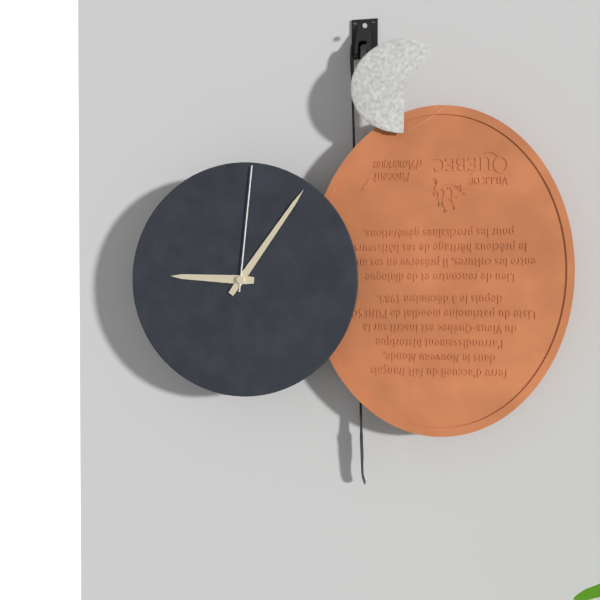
9:06:01
